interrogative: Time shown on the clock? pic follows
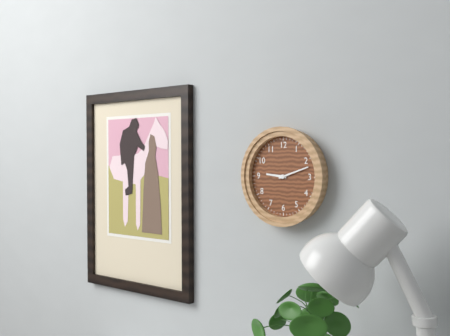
9:12
